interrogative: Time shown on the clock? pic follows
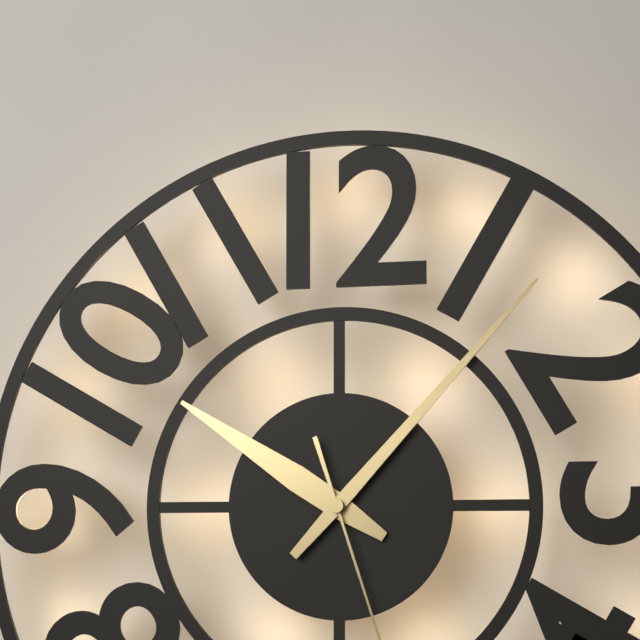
10:07
